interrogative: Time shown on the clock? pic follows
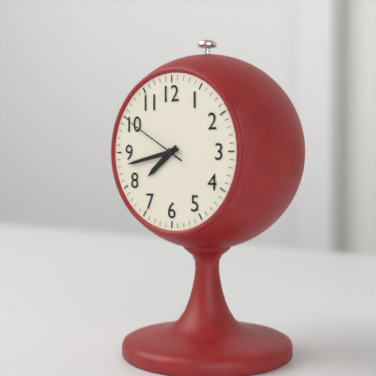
7:43:50
